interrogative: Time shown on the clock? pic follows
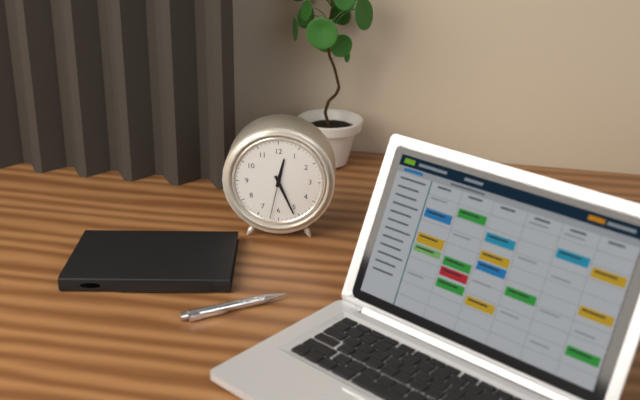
12:26
